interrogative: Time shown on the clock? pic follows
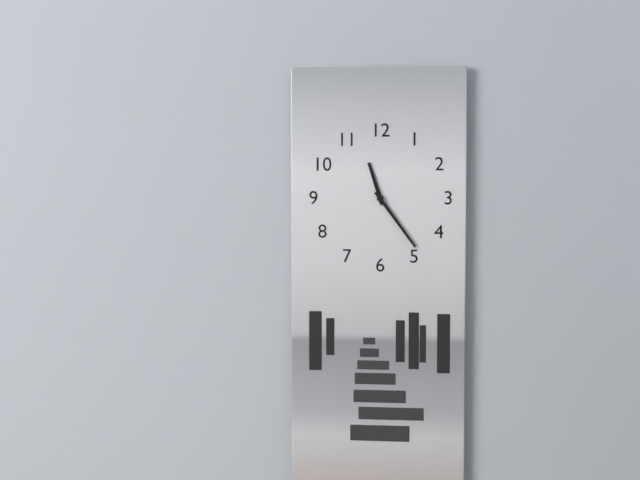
11:24
